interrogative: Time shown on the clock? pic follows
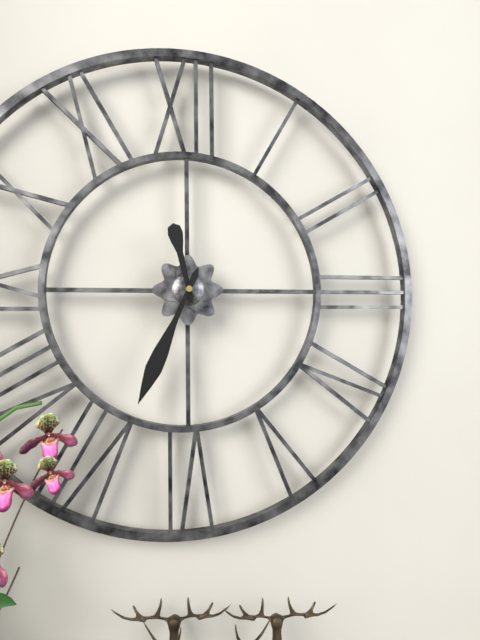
11:34
